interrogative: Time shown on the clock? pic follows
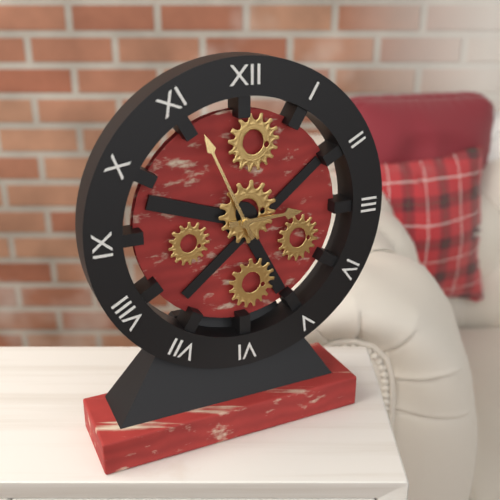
2:56
